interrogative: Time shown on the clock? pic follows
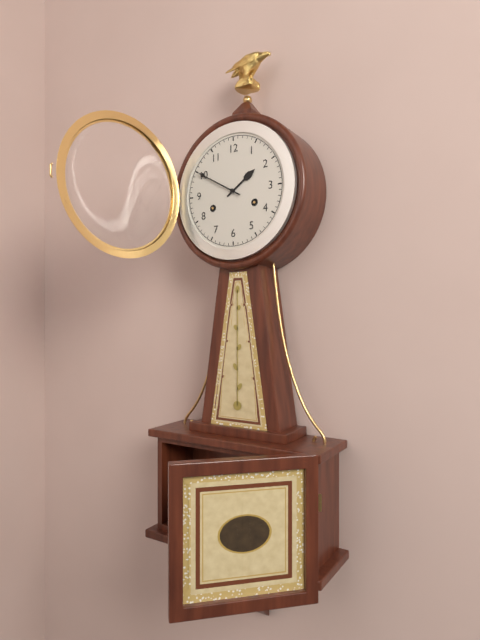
1:50
